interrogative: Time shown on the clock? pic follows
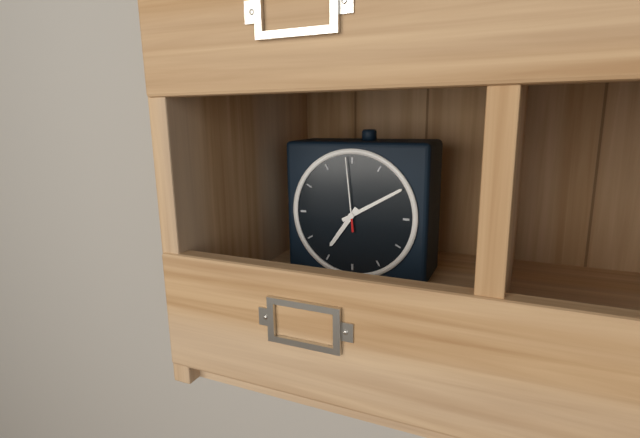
7:10:59
